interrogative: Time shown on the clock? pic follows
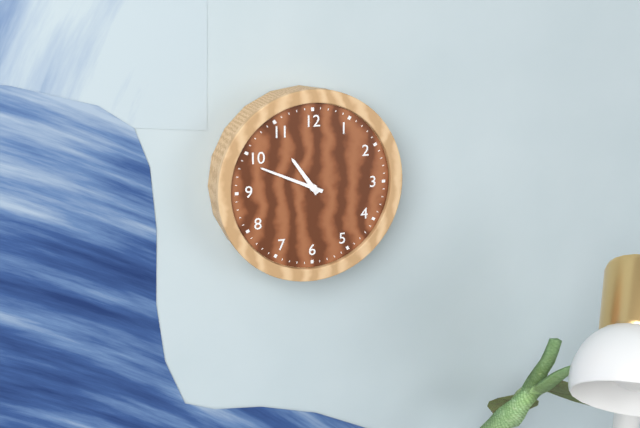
10:49
